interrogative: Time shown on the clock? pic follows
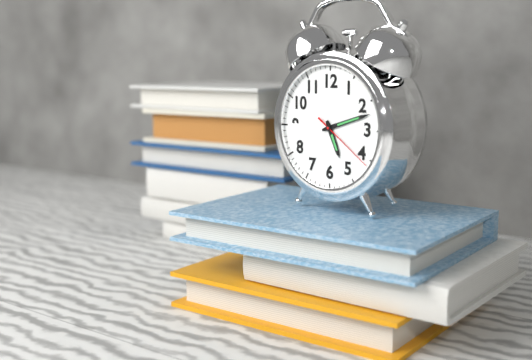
5:12:21
